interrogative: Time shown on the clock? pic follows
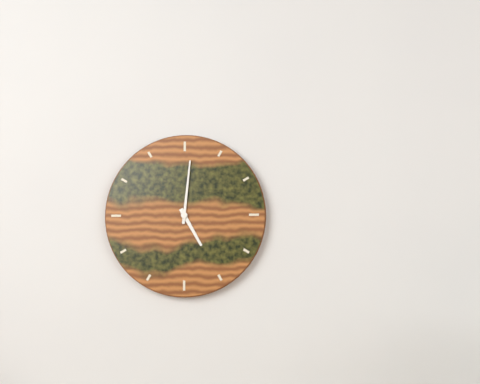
5:01
